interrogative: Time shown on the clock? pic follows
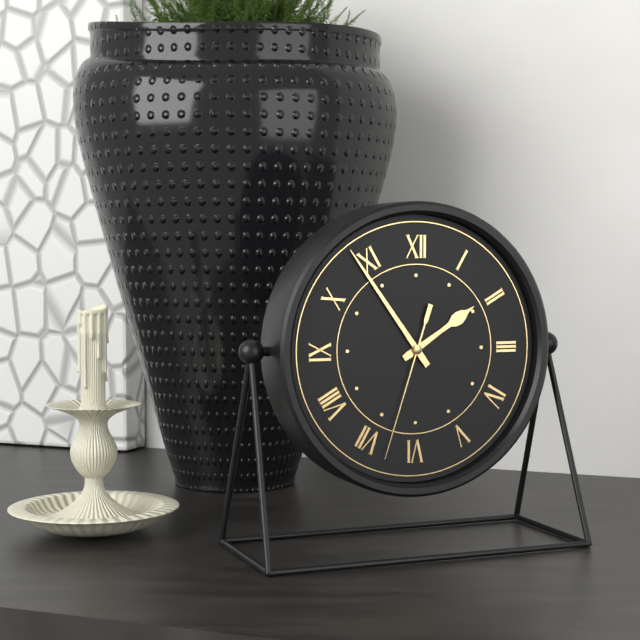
1:54:33
